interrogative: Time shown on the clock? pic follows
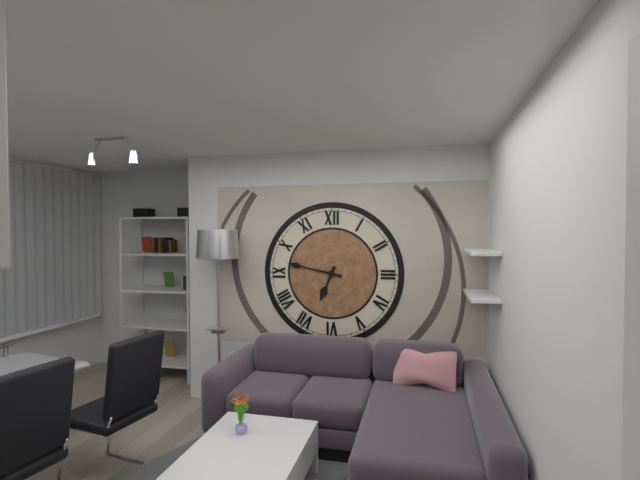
6:47
